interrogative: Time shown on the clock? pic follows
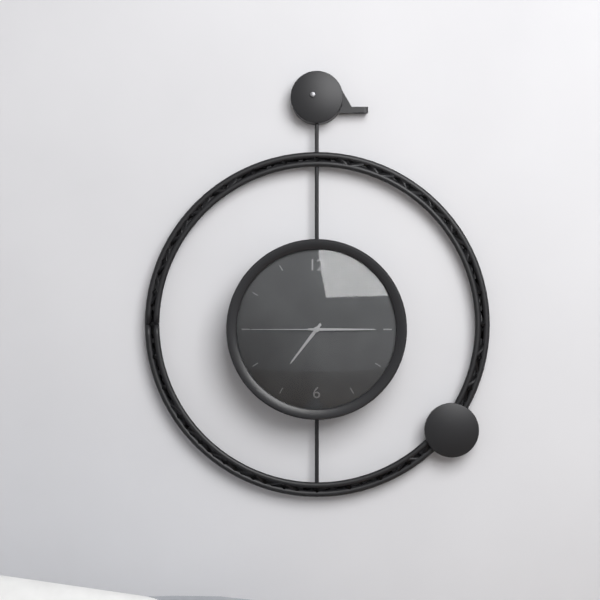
7:15:45
